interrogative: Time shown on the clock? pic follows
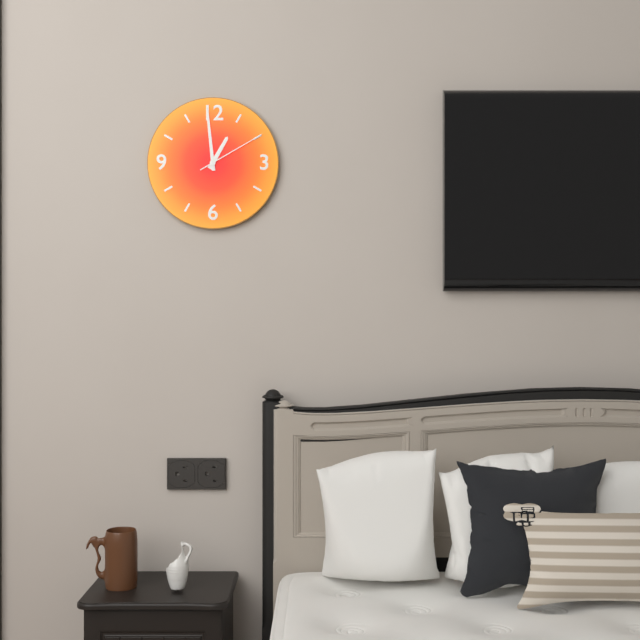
12:59:10
